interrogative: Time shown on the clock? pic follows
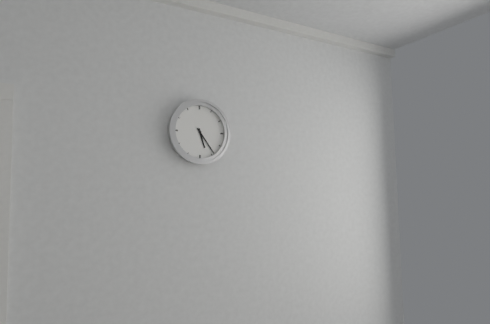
5:24
